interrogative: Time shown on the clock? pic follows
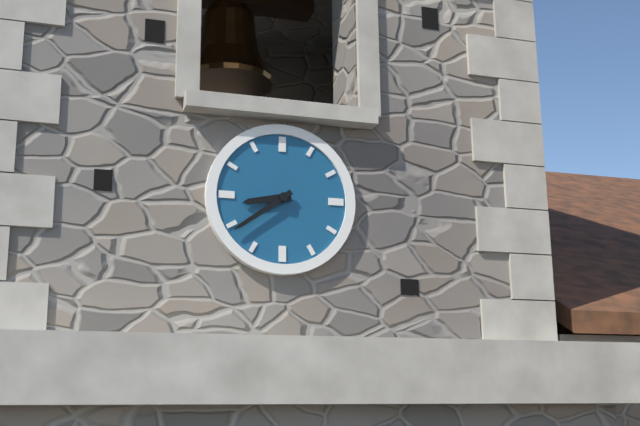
8:39
